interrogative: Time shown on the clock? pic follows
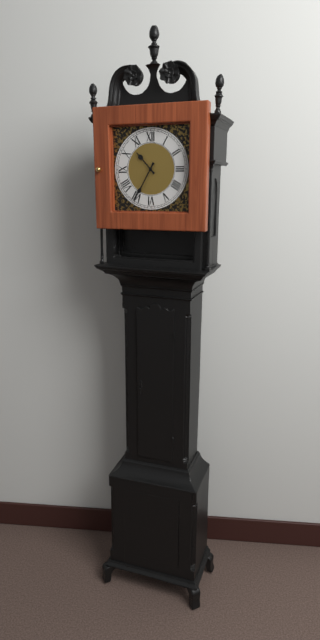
10:35
